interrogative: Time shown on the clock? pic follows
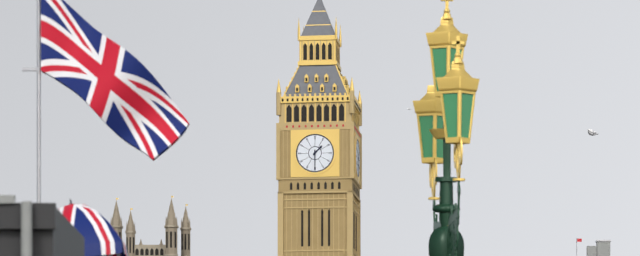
1:30
